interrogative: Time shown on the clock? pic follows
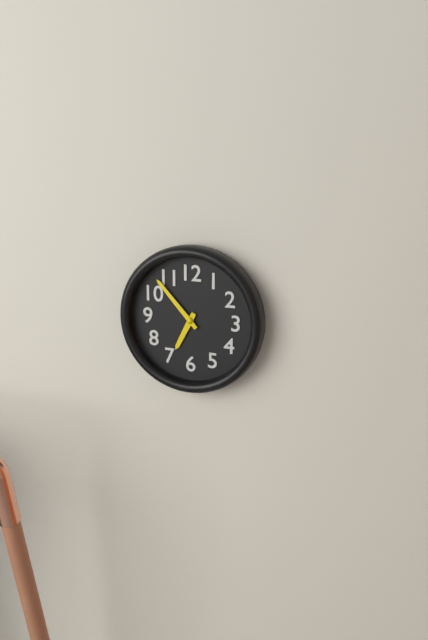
6:53
